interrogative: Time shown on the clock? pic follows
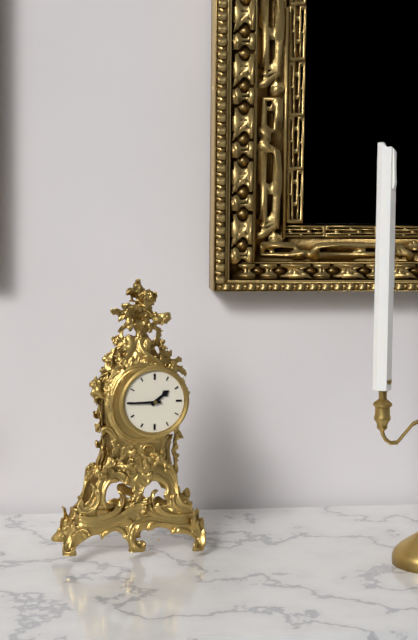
1:45
